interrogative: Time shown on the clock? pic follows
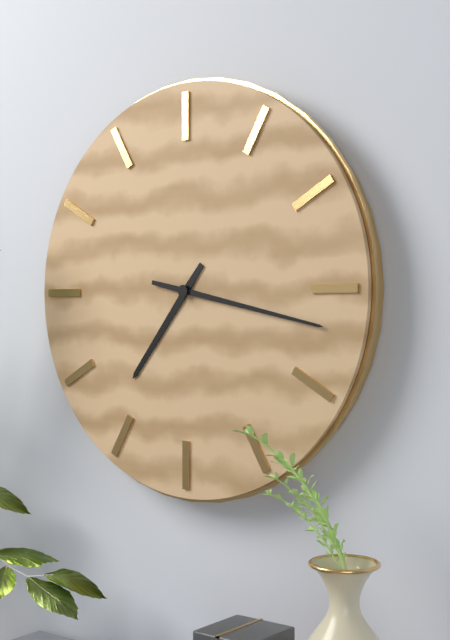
7:17
